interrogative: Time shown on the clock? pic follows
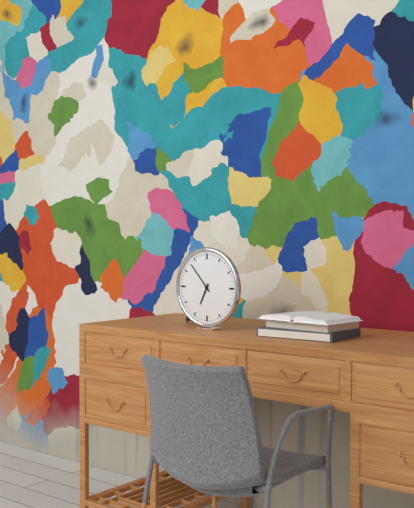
6:53
